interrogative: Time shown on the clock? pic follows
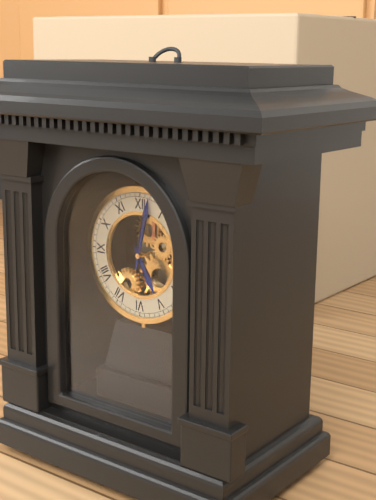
5:02
